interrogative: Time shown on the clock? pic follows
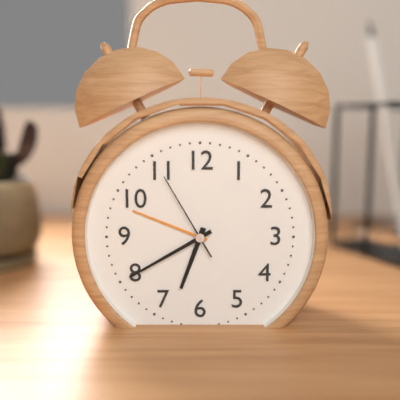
6:40:55
